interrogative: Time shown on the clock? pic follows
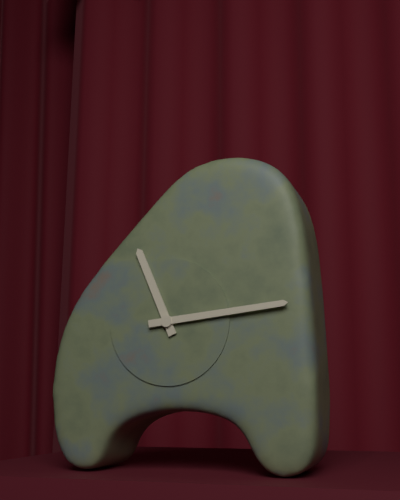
11:14
